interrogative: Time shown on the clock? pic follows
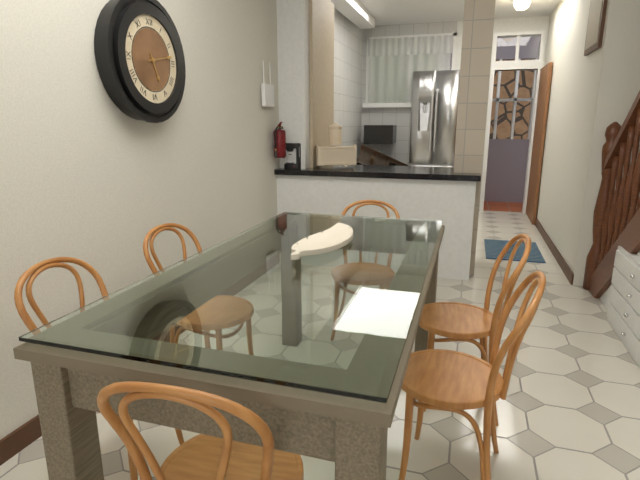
5:13
